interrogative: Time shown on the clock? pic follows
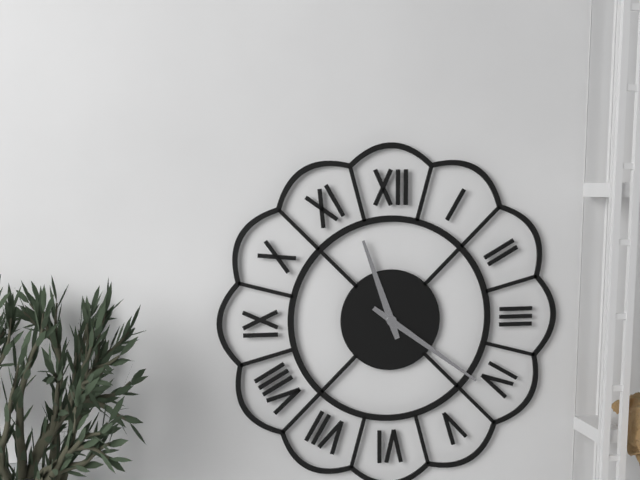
11:21
